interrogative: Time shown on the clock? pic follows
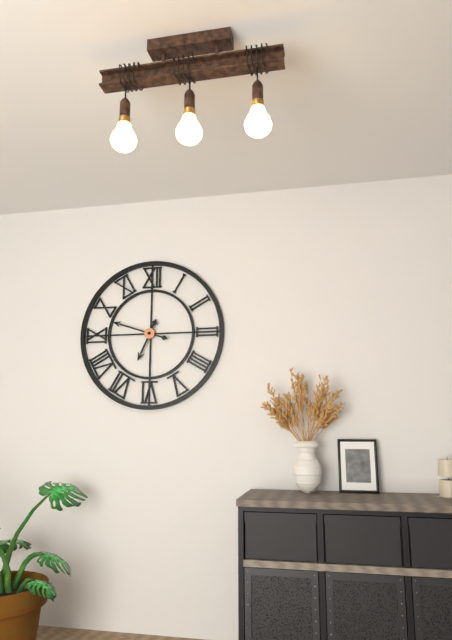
6:48
